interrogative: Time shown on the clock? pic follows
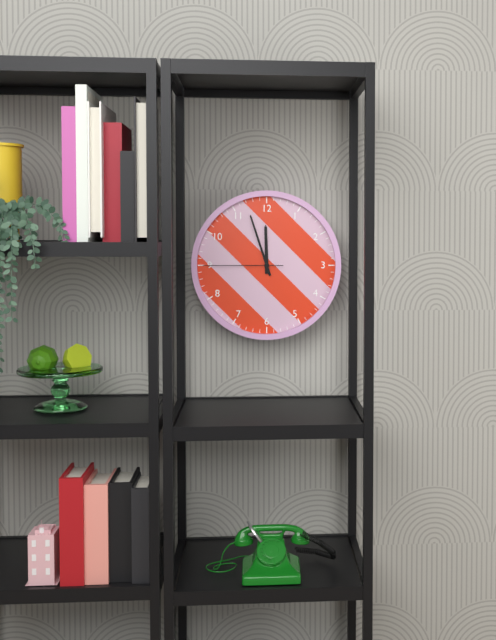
11:57:45
